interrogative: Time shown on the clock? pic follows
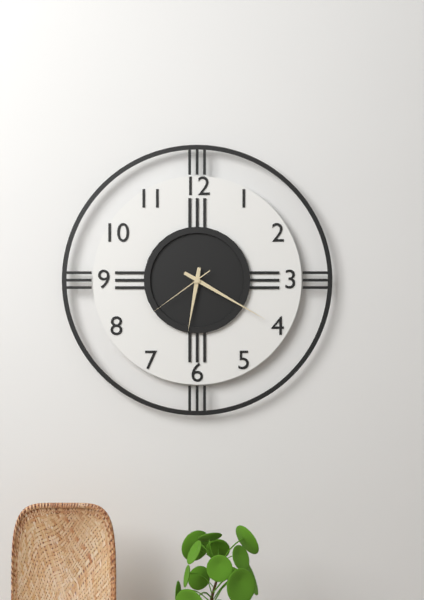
6:20:39
